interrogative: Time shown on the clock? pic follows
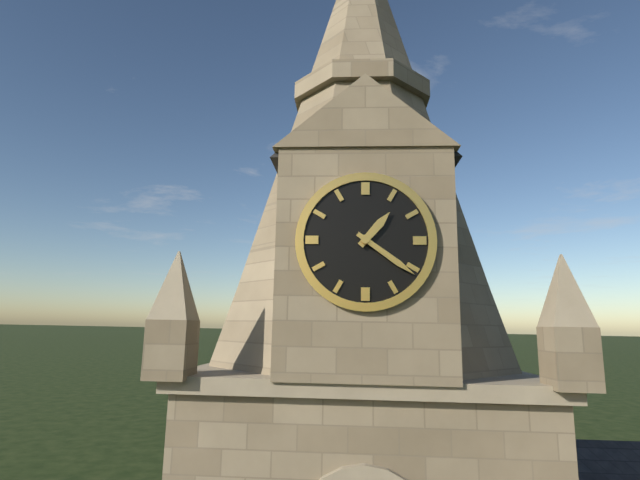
1:21
